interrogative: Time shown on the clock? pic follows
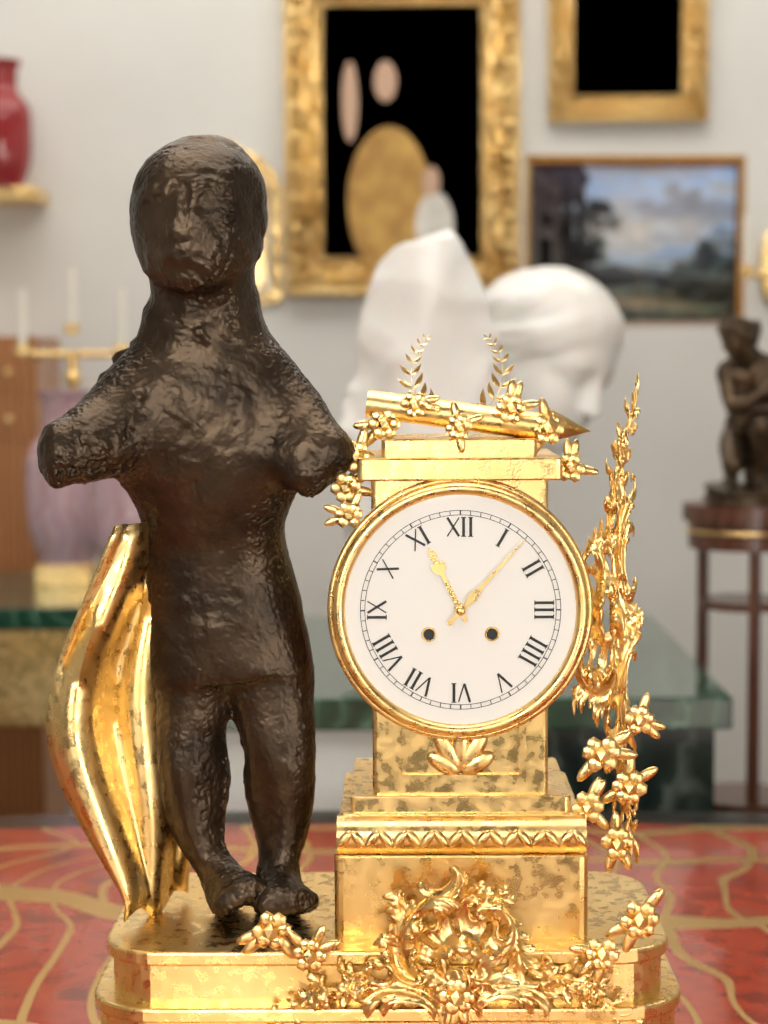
11:07
